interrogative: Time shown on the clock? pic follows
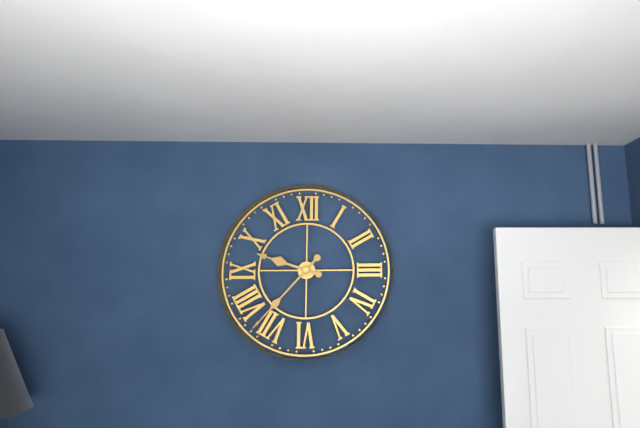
9:37
